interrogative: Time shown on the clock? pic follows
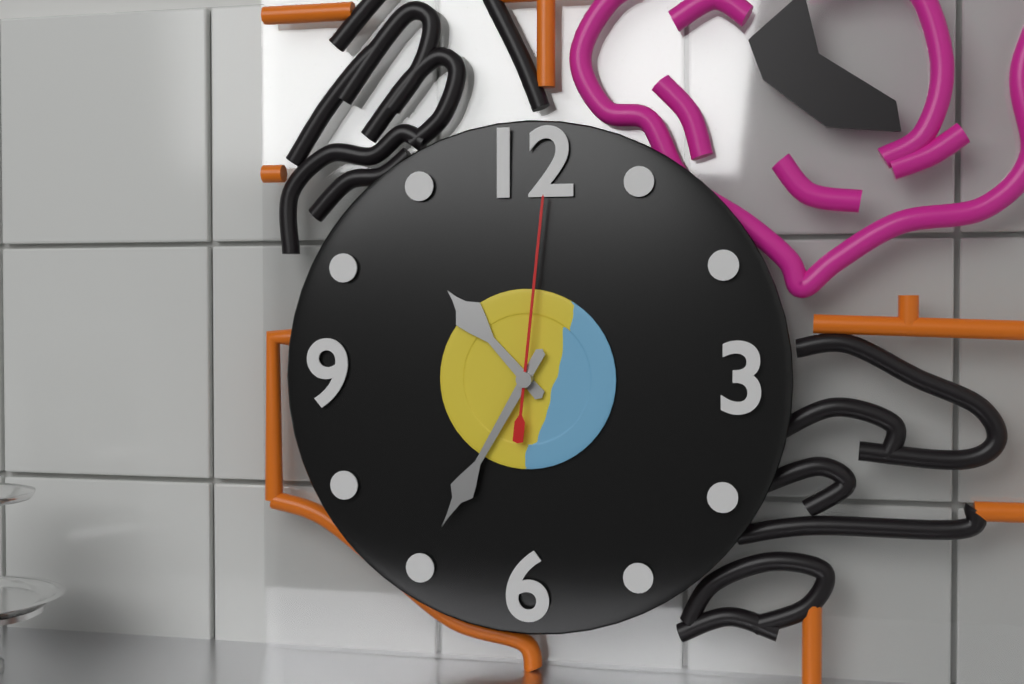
10:35:01
